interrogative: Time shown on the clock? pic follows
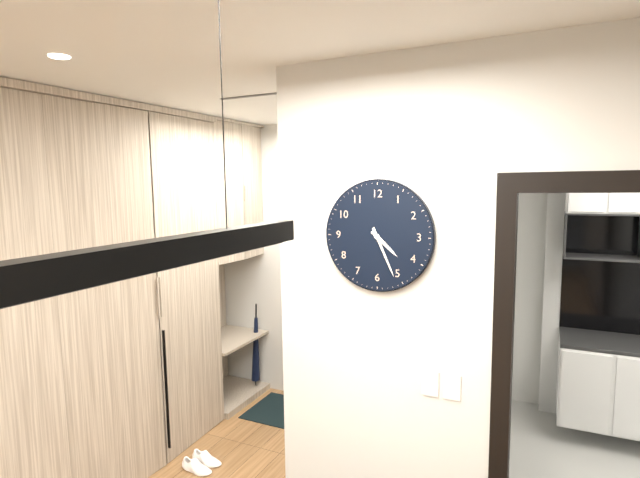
4:26
